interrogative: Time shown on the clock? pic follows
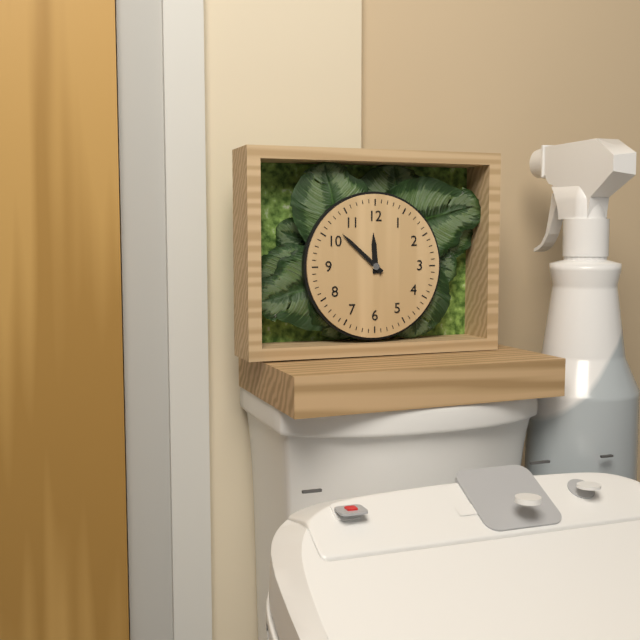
11:52
